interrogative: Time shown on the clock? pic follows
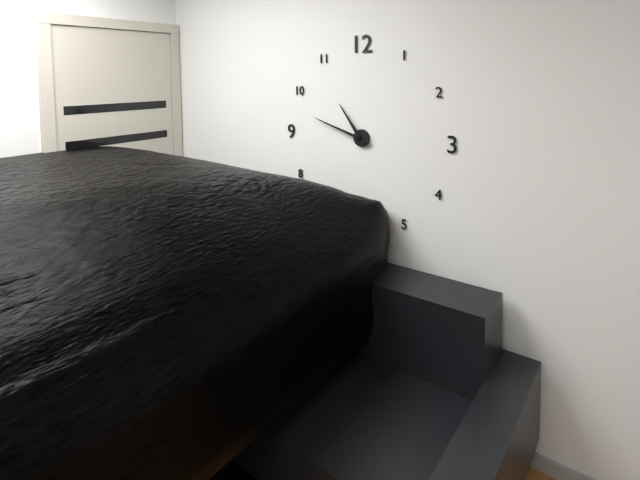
10:48
